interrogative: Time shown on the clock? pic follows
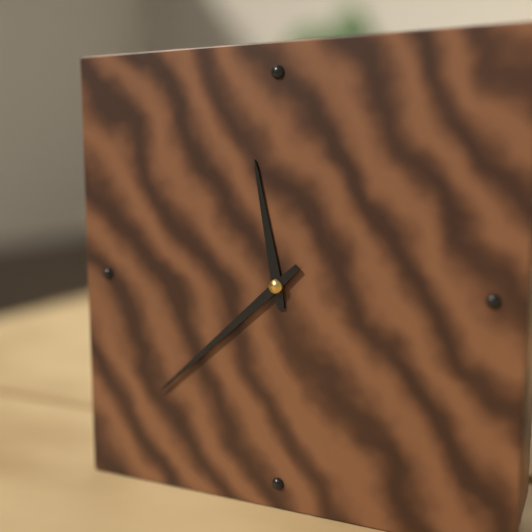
11:38
